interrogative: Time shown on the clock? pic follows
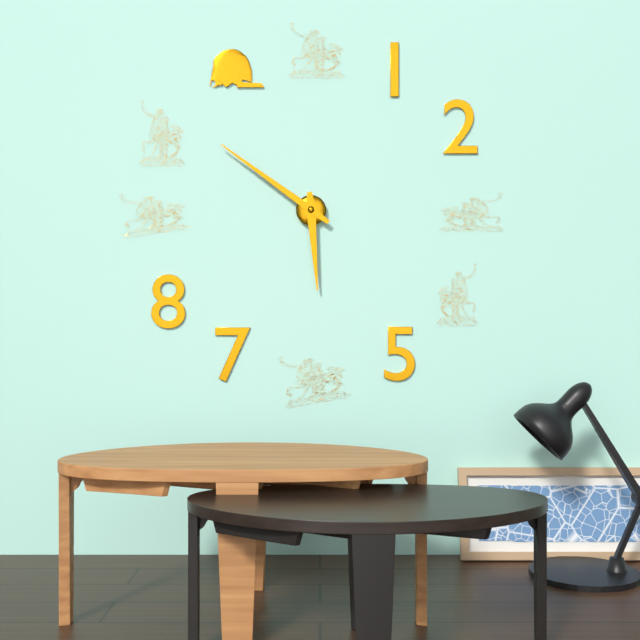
5:51
